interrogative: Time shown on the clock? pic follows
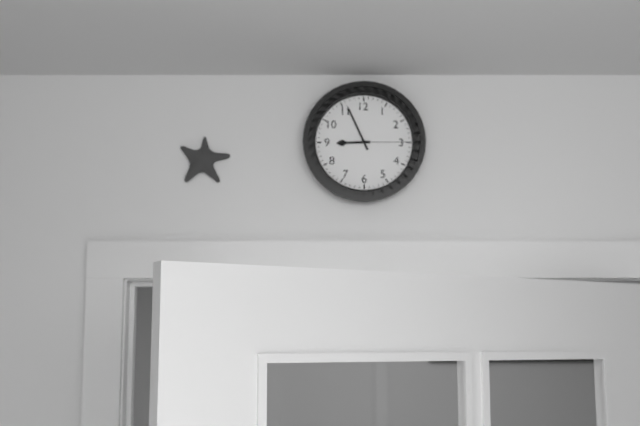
8:56:15
